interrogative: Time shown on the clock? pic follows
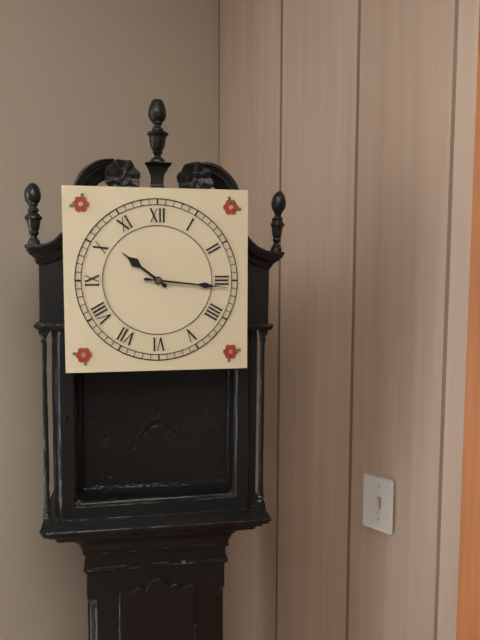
10:16
